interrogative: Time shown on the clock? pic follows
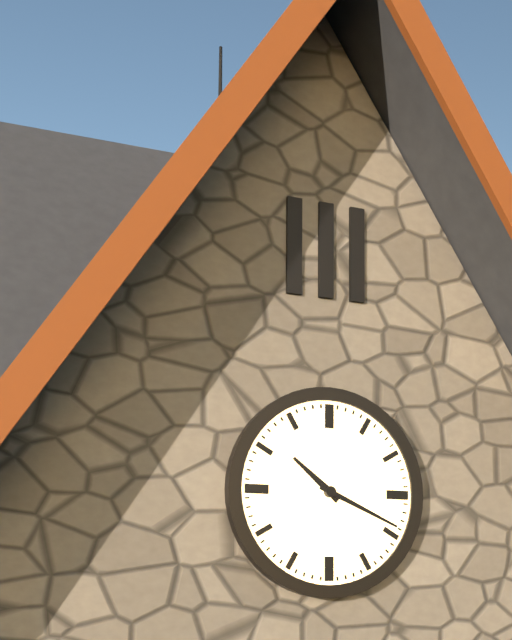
10:19
